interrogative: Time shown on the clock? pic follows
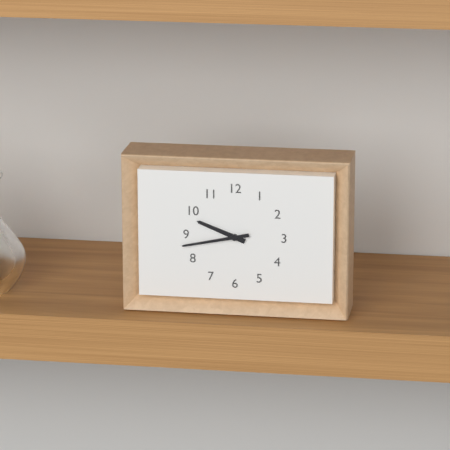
9:43
